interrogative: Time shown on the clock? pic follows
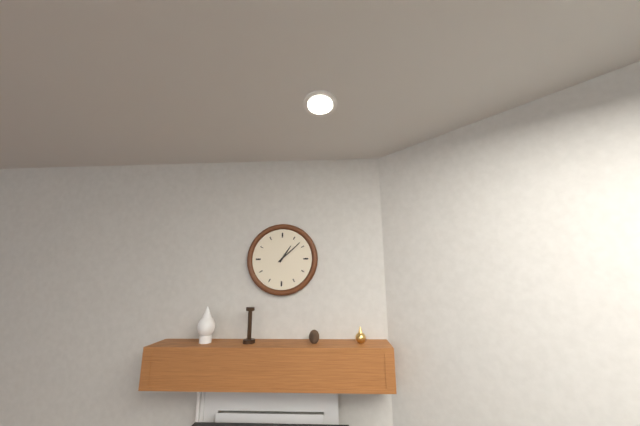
1:08
